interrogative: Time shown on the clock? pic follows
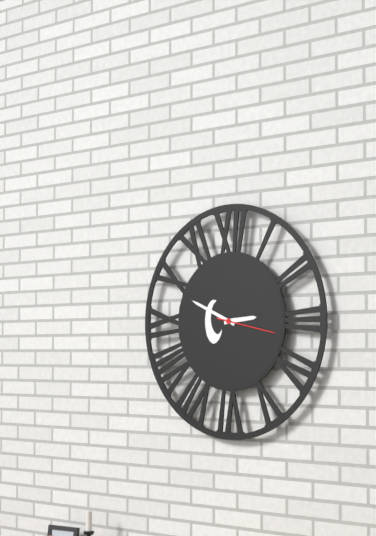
2:49:17
